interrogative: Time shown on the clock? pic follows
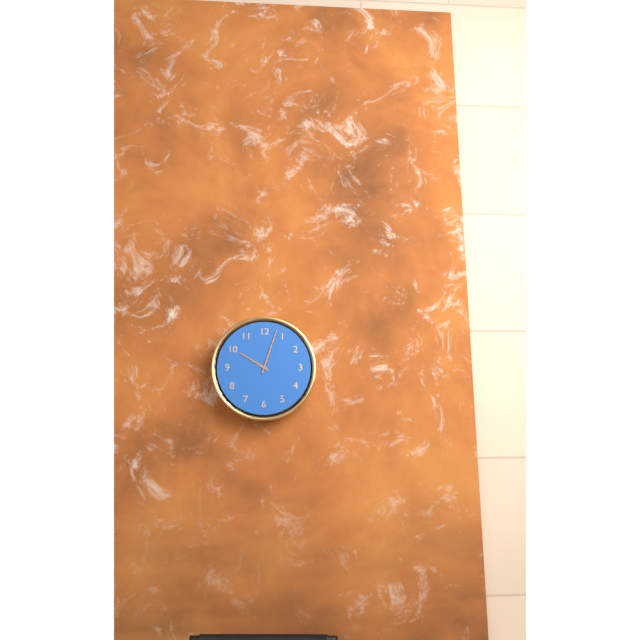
10:03
